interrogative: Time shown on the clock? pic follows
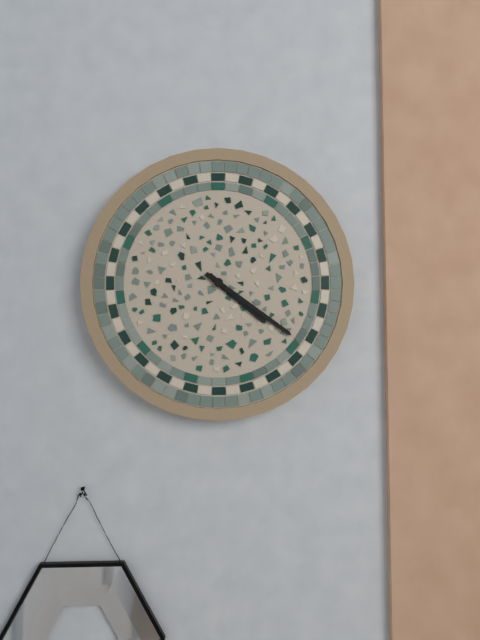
4:21
